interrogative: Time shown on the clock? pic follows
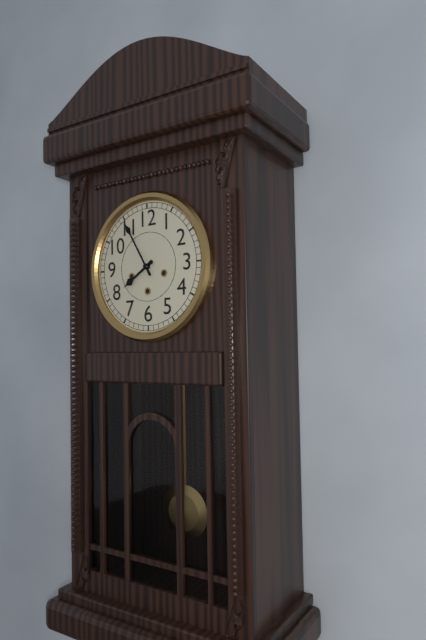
7:55
